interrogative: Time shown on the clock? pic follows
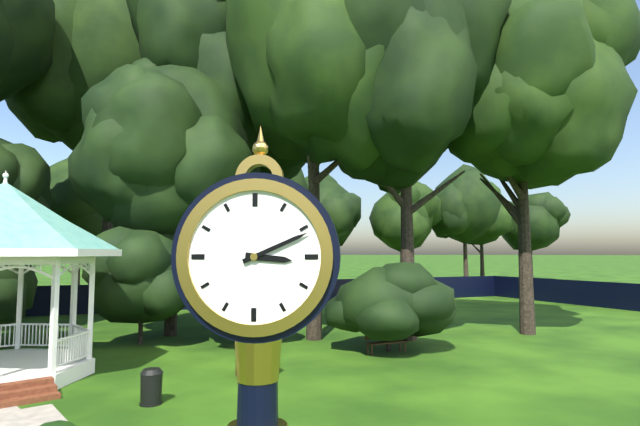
3:11
